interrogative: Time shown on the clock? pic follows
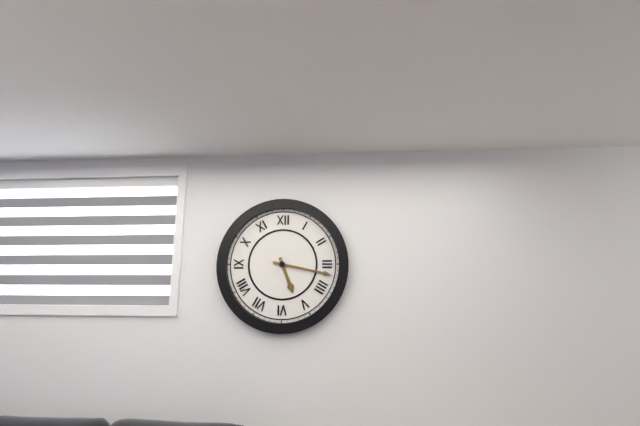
5:17
